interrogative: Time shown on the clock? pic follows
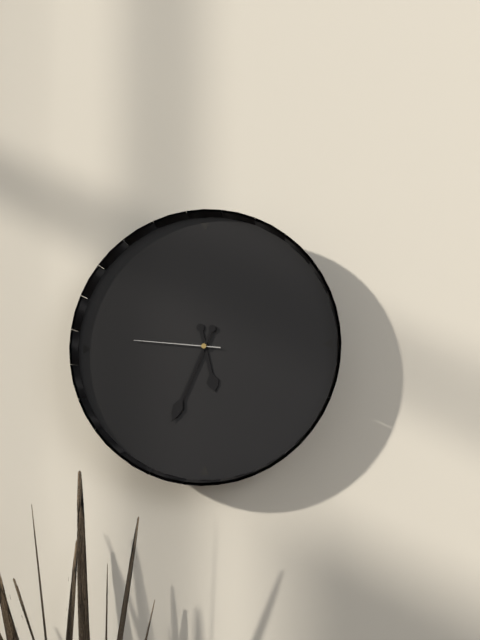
5:34:46
